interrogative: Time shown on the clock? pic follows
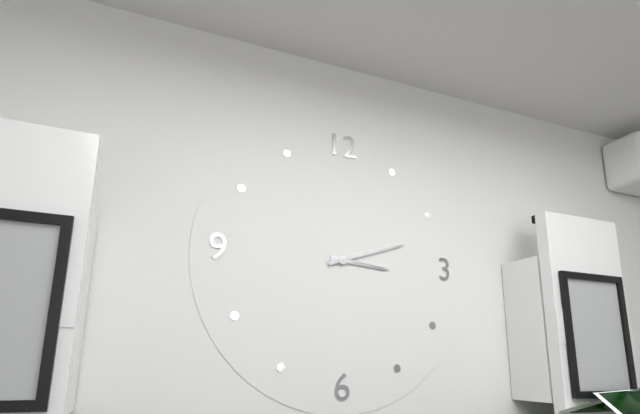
3:12
